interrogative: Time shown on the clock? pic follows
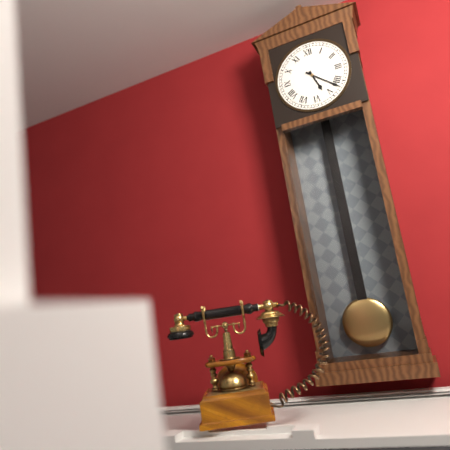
5:22
